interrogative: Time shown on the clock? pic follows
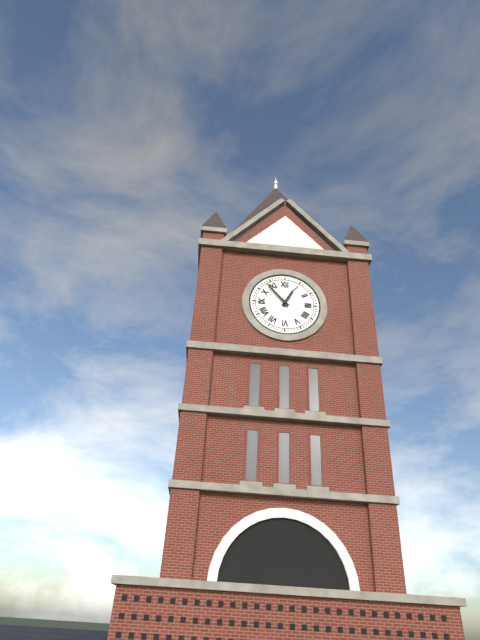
12:53
